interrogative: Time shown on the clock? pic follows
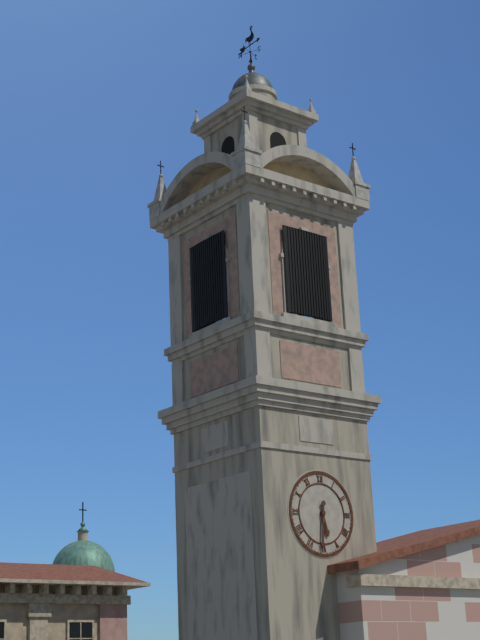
5:31
